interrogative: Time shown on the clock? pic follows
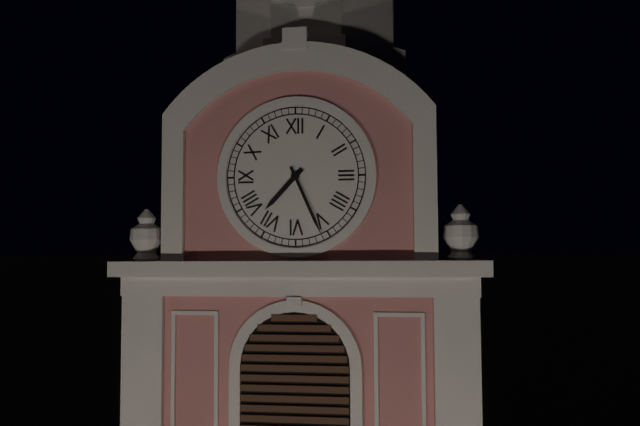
7:26
